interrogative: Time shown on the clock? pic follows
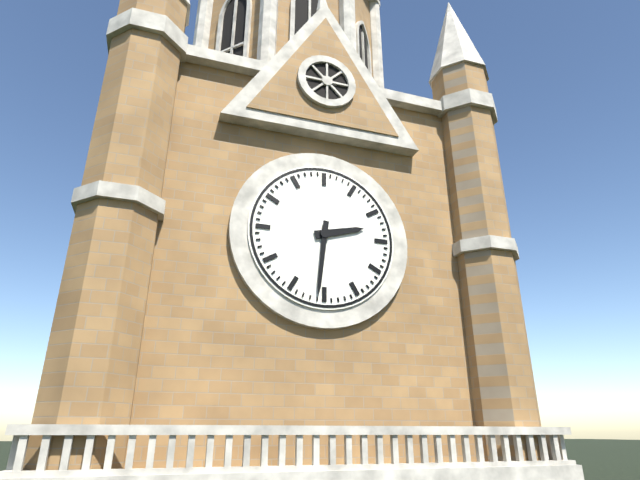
2:31
